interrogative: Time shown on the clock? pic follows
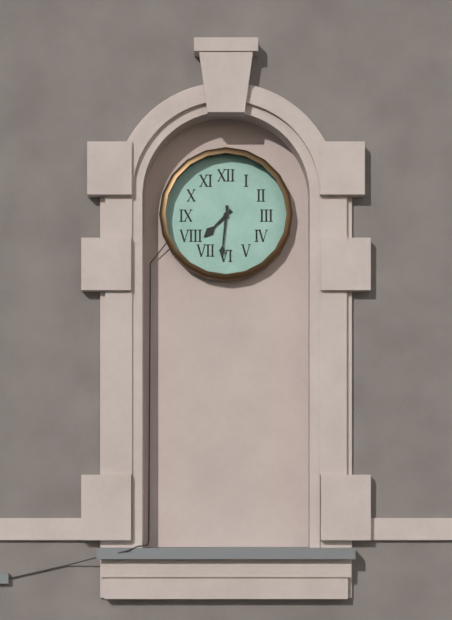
7:31
